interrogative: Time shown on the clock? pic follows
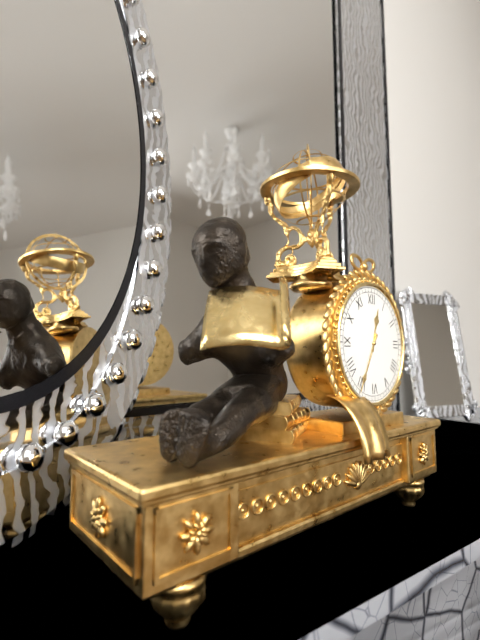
12:35
